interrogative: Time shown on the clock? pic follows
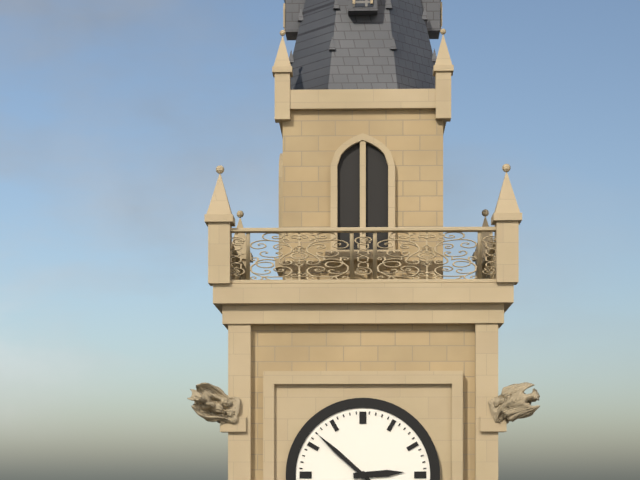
2:52
